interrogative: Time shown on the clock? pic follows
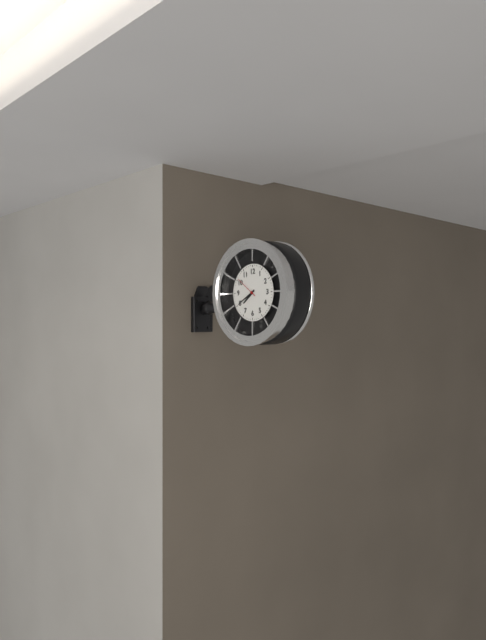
7:40
